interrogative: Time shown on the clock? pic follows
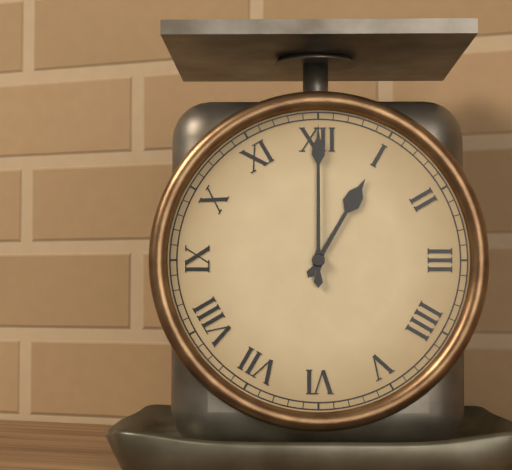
1:00
